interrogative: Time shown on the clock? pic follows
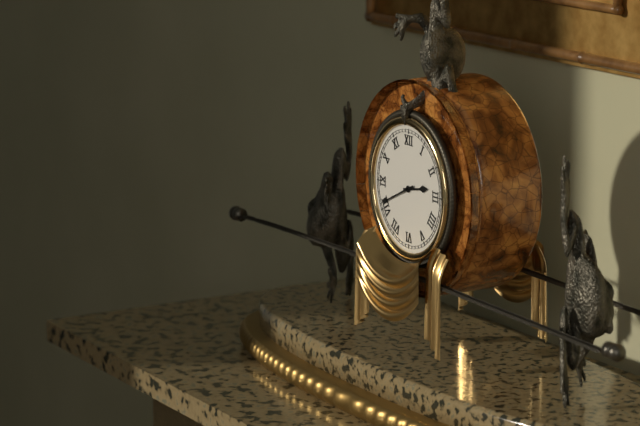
2:41
